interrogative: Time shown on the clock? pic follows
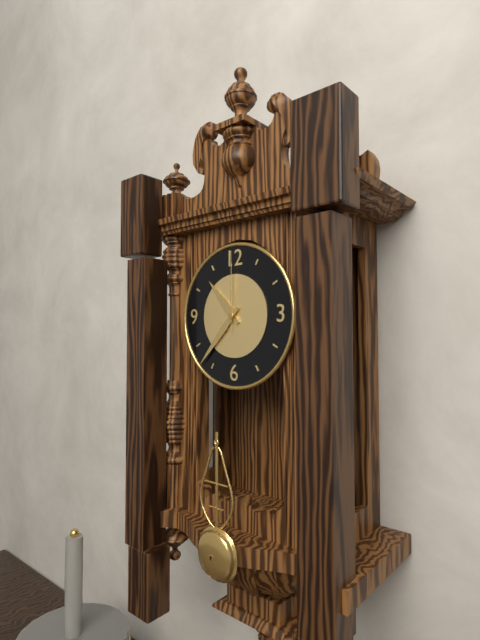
10:37:00
